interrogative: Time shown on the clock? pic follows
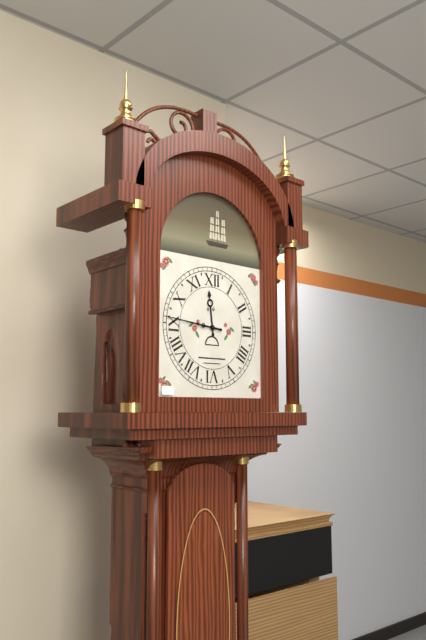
11:46
